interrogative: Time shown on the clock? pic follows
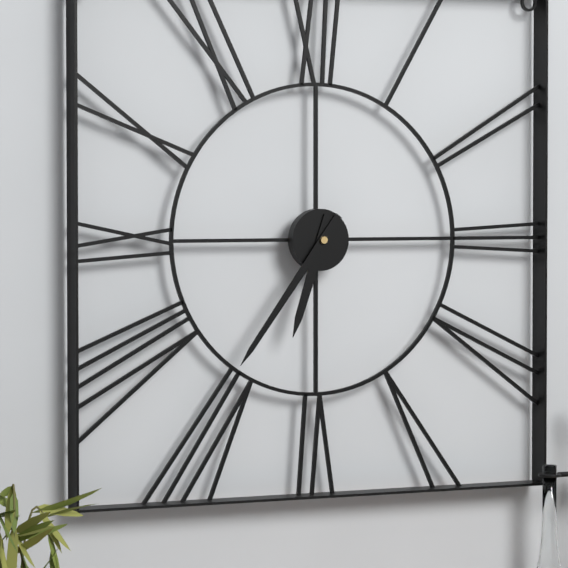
6:36
